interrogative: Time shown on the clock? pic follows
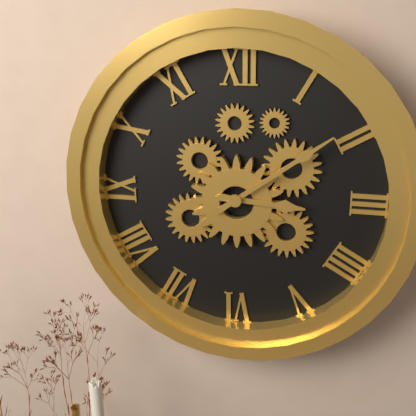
3:09
